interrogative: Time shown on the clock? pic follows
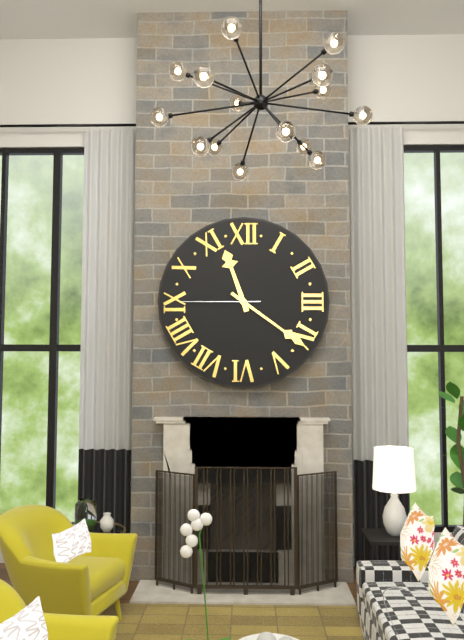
11:21:45
